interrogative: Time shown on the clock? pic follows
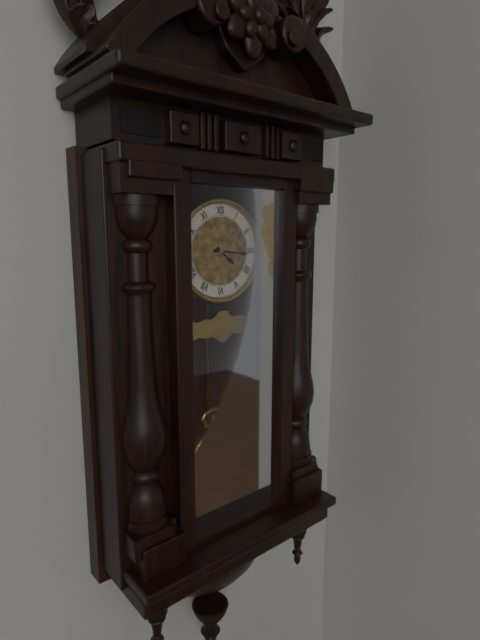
4:16
